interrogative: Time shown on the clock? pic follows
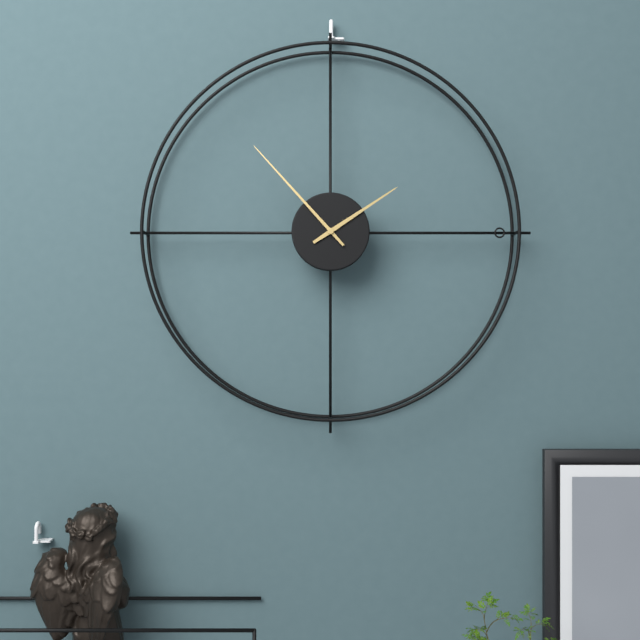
1:53
